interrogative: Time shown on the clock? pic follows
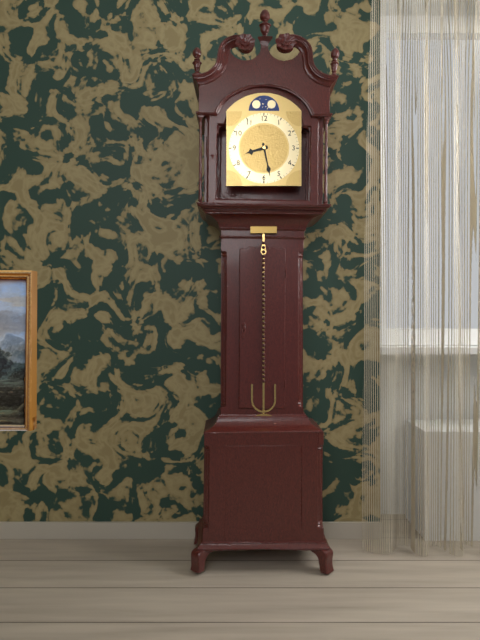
8:28
